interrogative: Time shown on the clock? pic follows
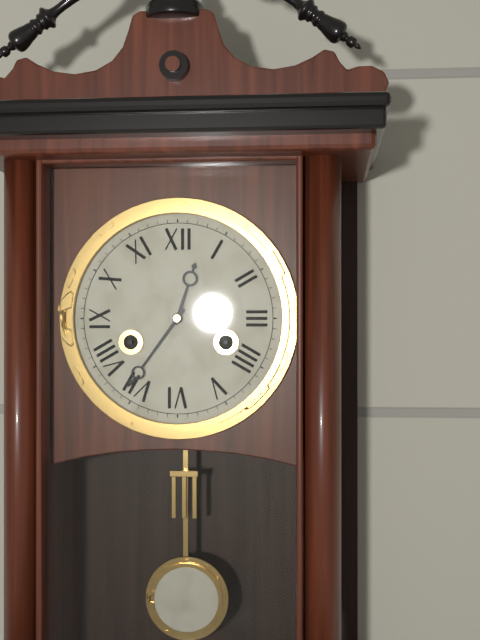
12:36
